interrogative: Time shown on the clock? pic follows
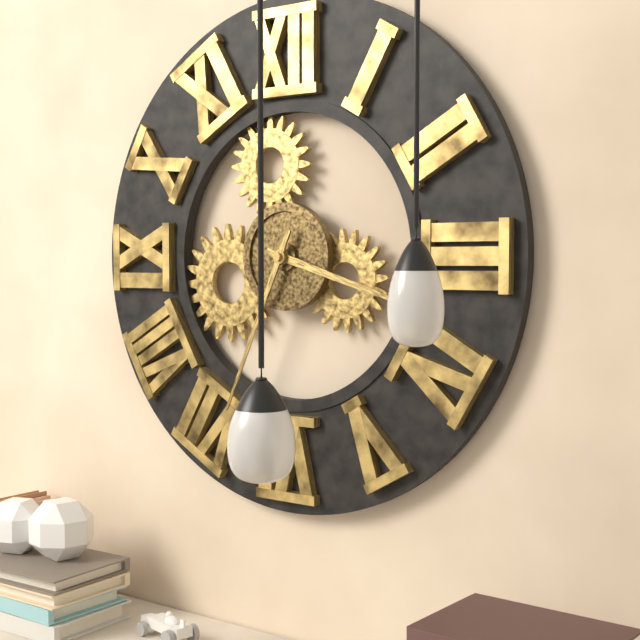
3:34
